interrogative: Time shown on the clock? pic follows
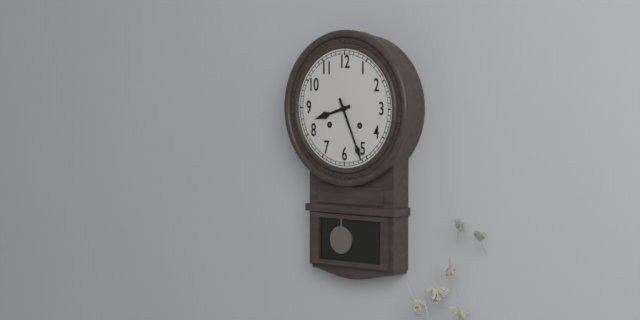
8:26
